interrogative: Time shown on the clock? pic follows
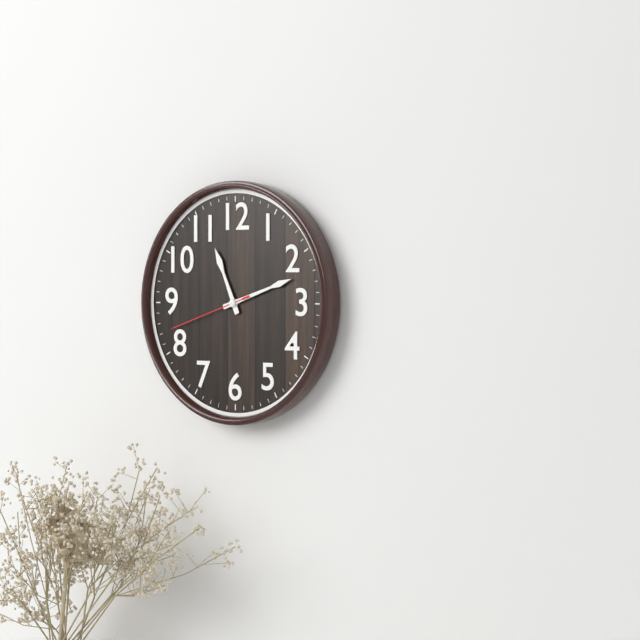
11:12:42
